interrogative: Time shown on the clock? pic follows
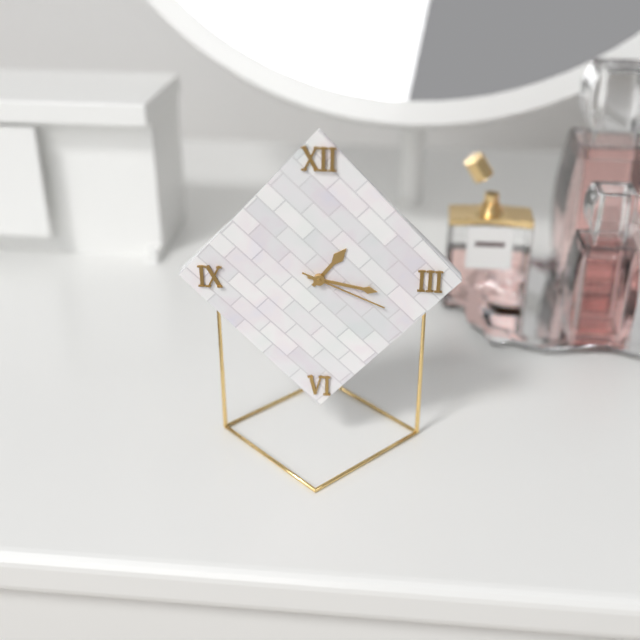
1:17:19
